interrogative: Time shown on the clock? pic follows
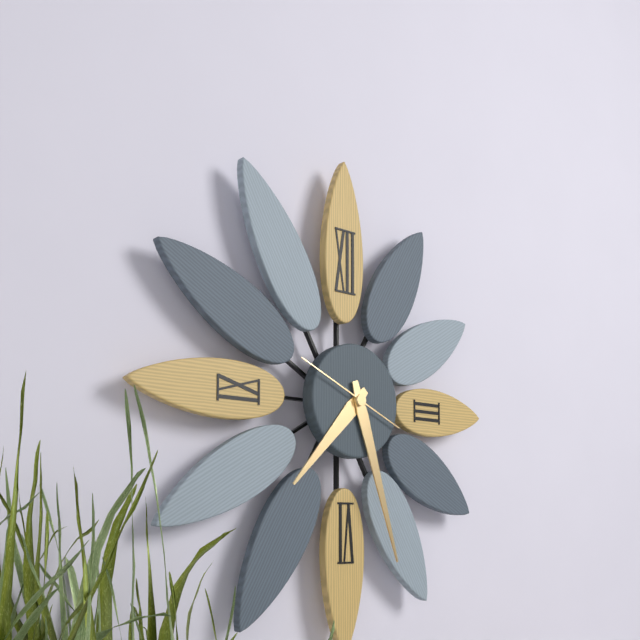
7:27:49
